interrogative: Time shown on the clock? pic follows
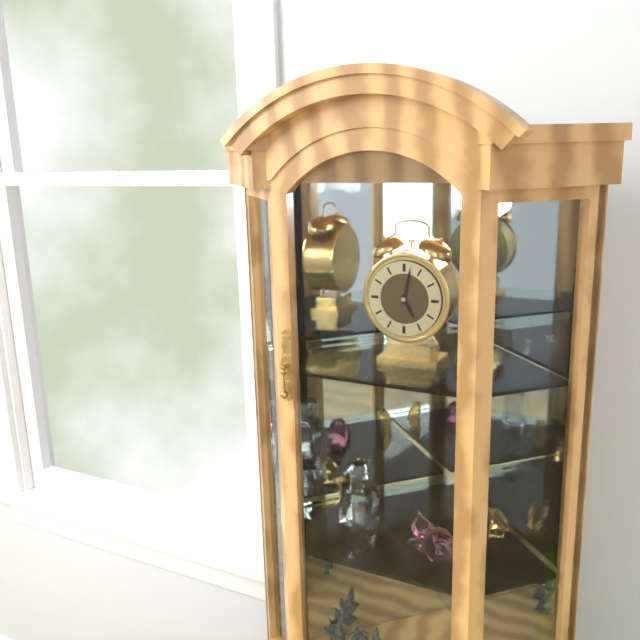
5:02
